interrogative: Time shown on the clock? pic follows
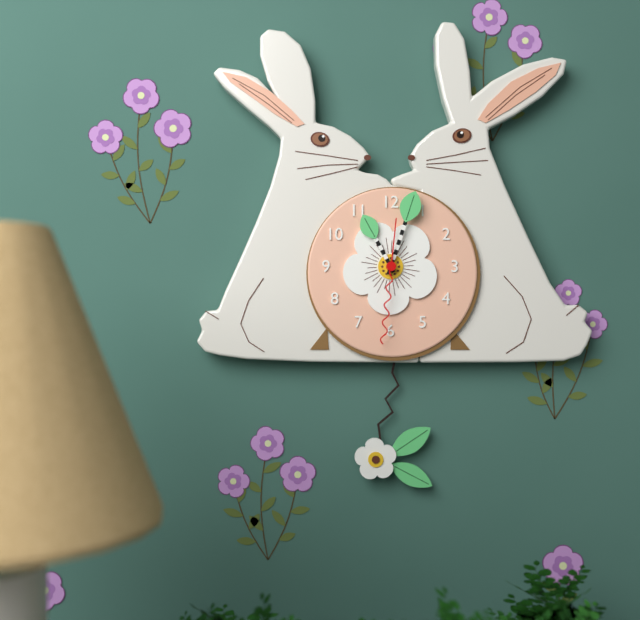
11:03:31
